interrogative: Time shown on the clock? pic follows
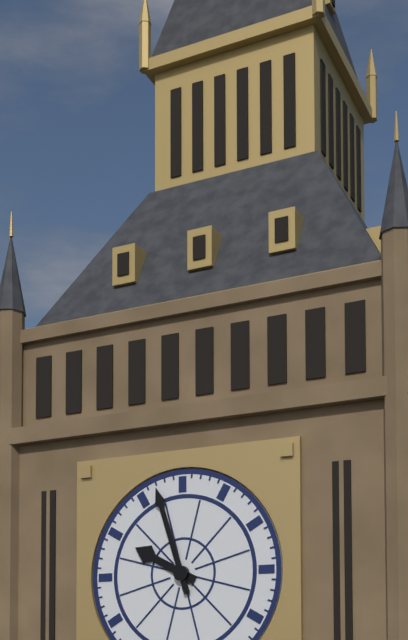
9:57
